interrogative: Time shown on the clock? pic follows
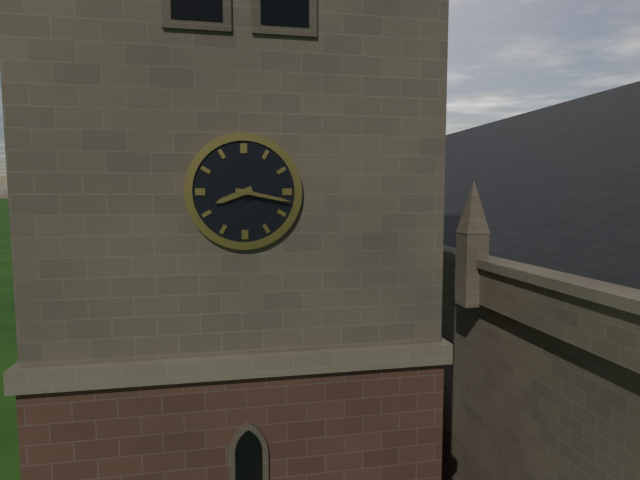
8:17
